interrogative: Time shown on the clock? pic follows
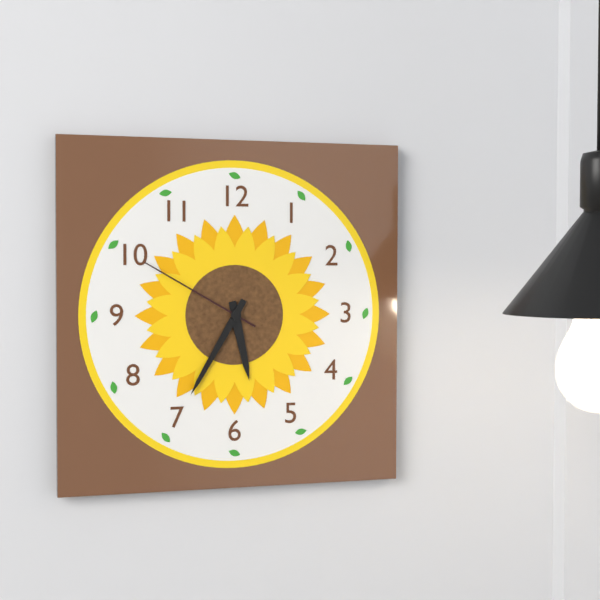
5:35:50
